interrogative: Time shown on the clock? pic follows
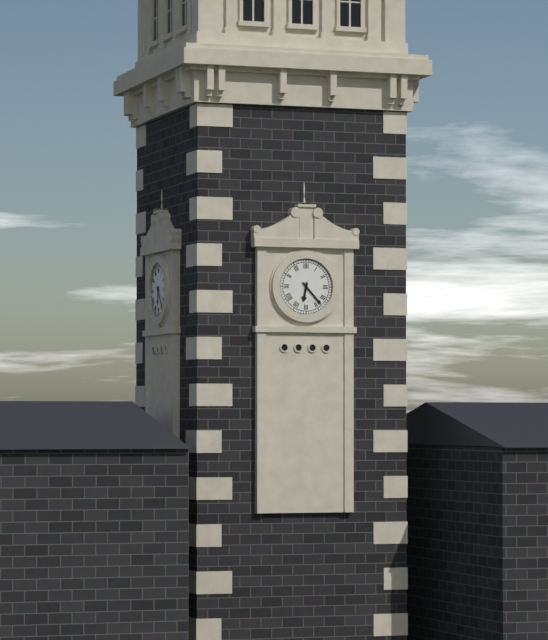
6:23
